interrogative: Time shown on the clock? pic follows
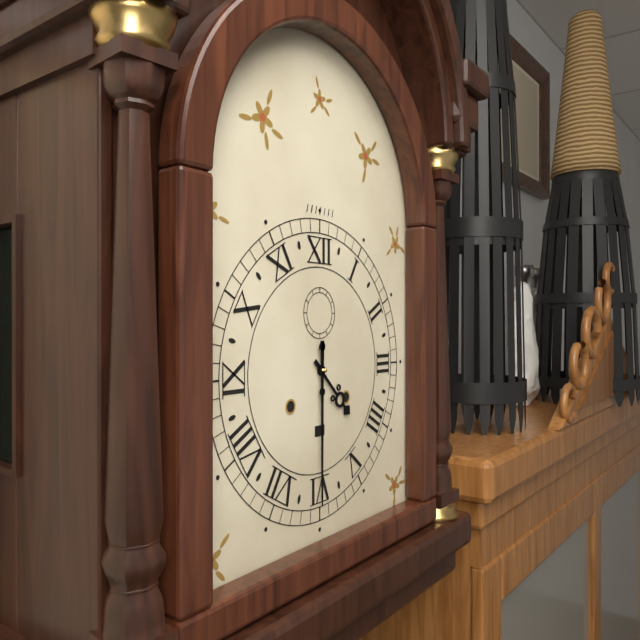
4:30
